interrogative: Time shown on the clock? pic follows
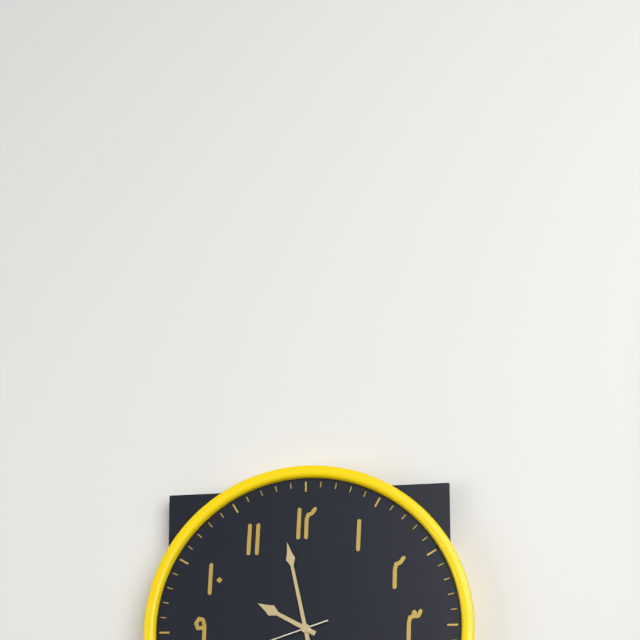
9:58
